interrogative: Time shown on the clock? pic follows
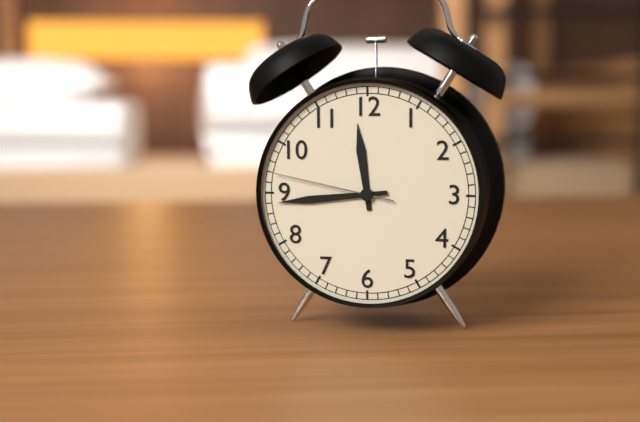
11:44:47
